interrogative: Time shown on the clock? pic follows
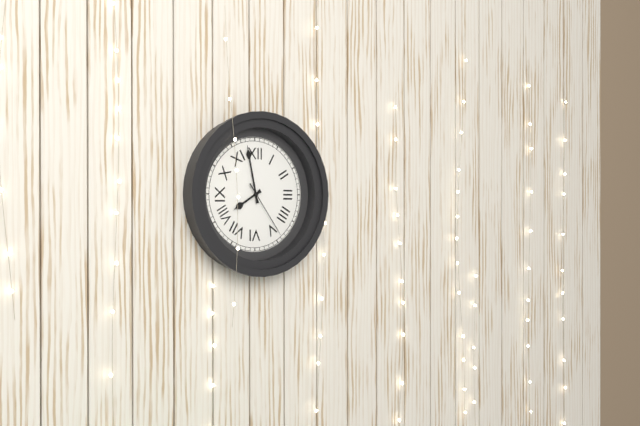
7:58:24
